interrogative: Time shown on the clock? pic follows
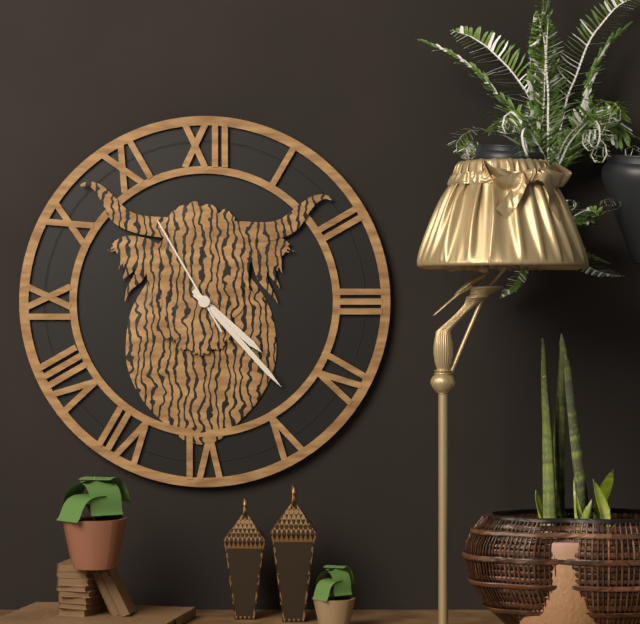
4:23:55
